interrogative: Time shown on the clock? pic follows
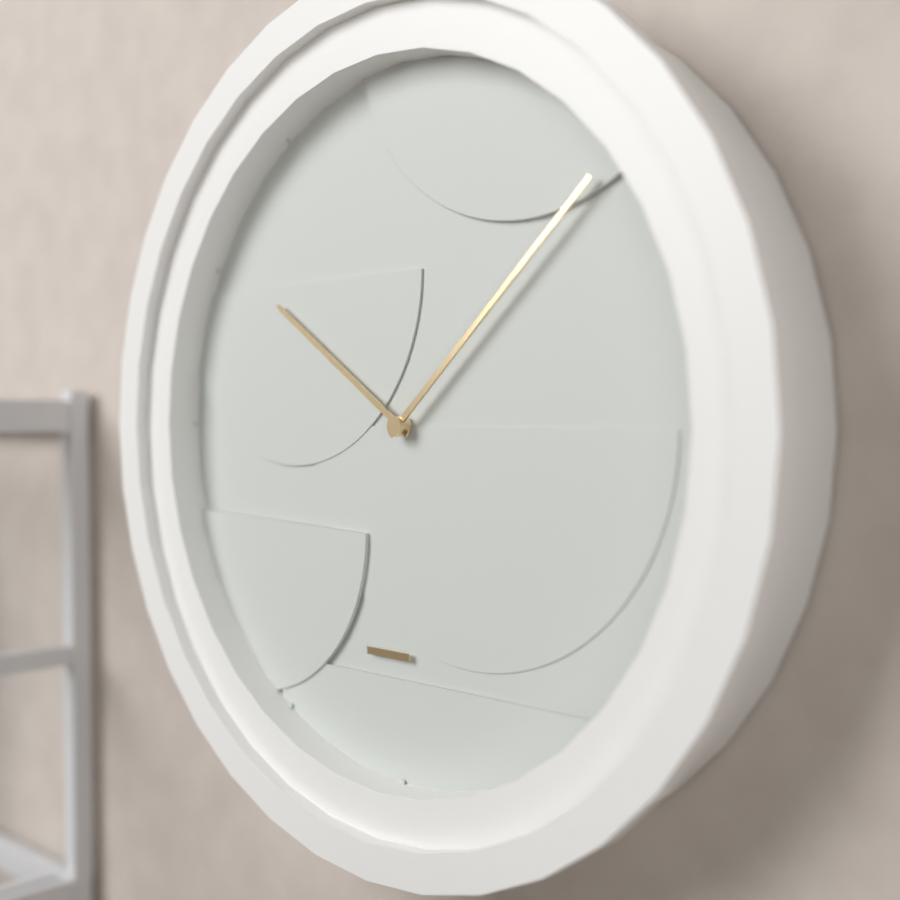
10:08
